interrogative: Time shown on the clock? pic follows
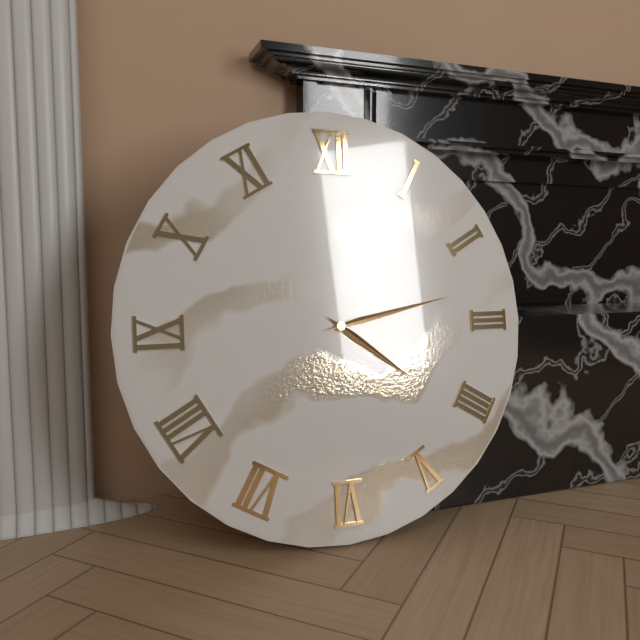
4:13
